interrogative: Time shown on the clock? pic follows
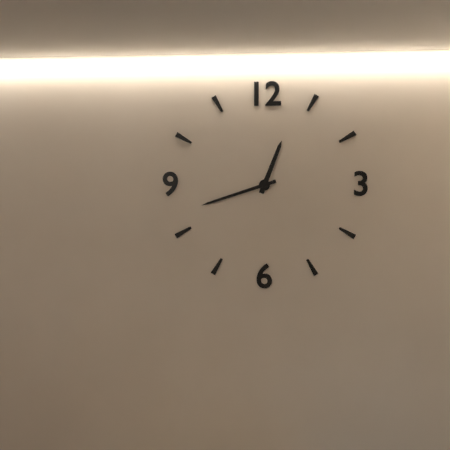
12:42
